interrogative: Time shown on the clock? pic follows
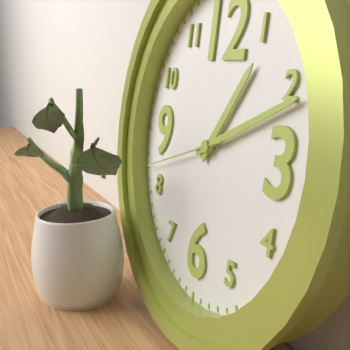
1:11:42
